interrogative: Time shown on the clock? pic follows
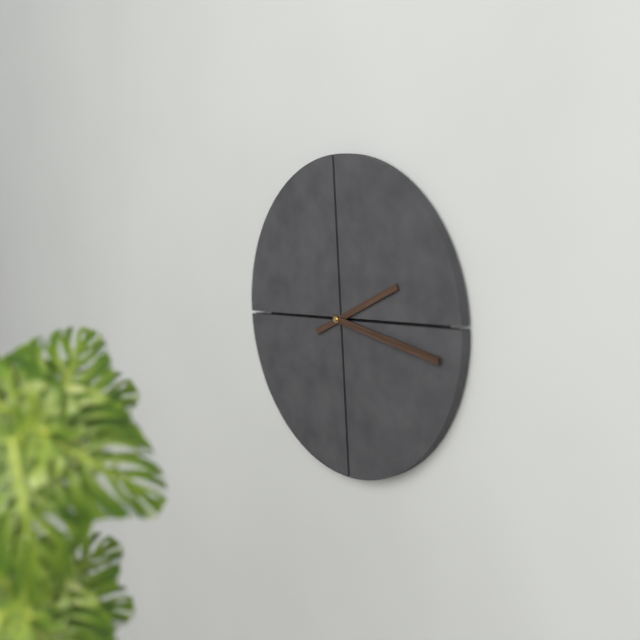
2:17
